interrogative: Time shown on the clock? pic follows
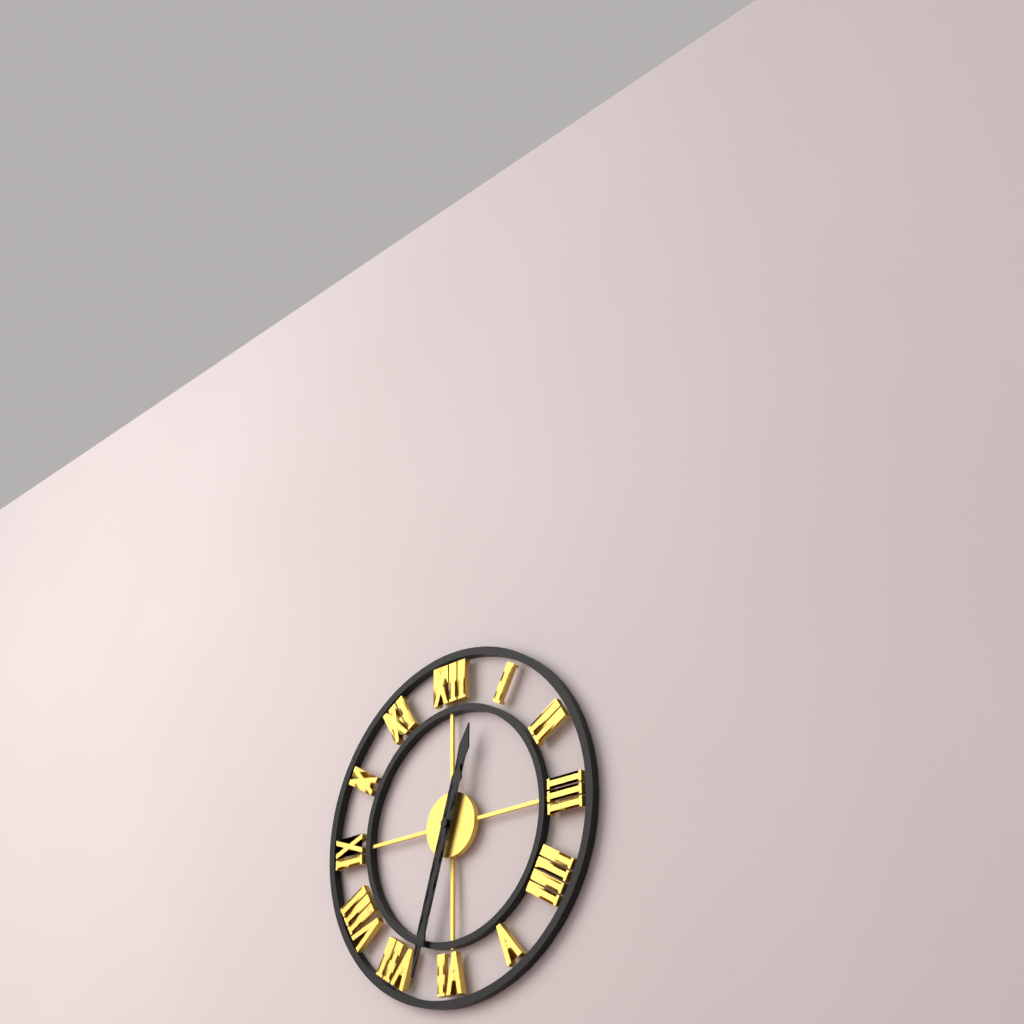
12:33
